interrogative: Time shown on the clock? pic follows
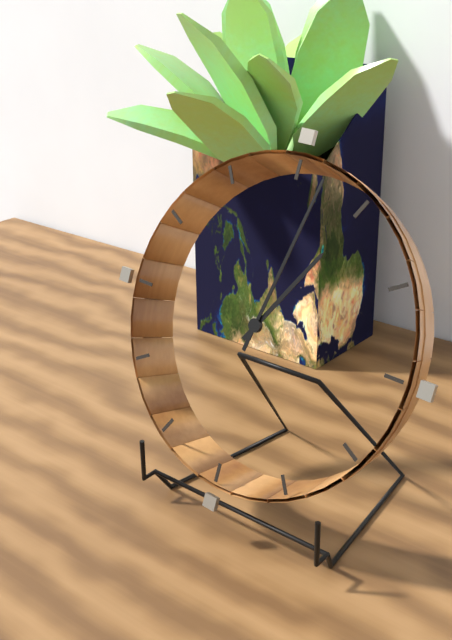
1:02
